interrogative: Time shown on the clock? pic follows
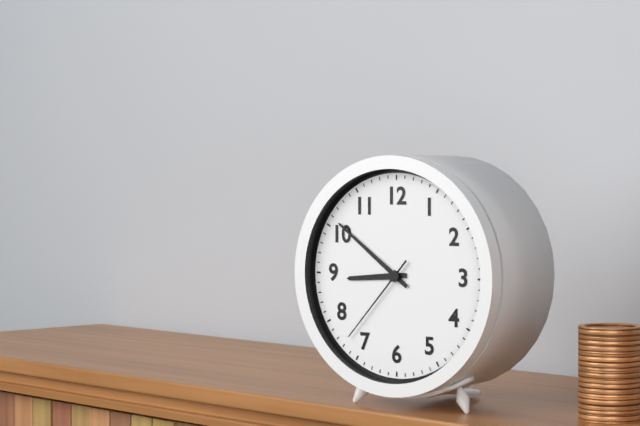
8:51:37
